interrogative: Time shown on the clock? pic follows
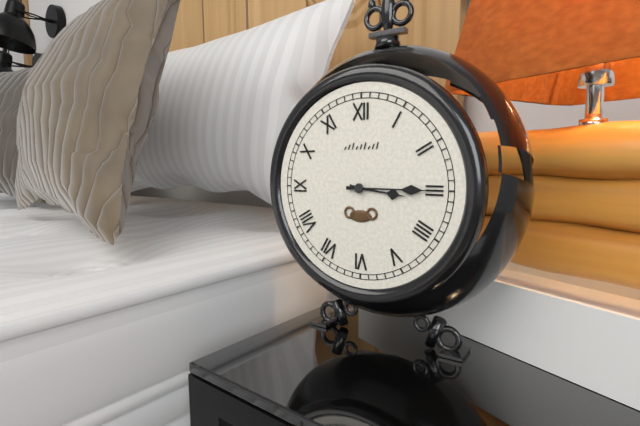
3:15
